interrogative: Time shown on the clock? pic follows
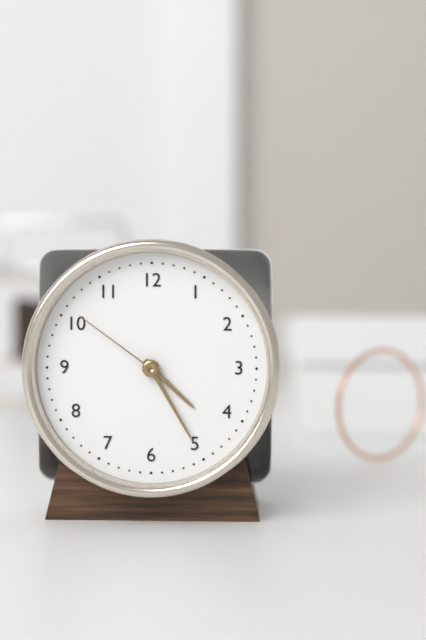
4:25:51
